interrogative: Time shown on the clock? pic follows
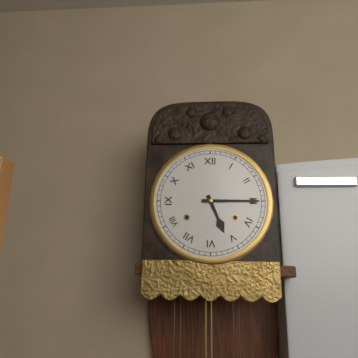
5:15
